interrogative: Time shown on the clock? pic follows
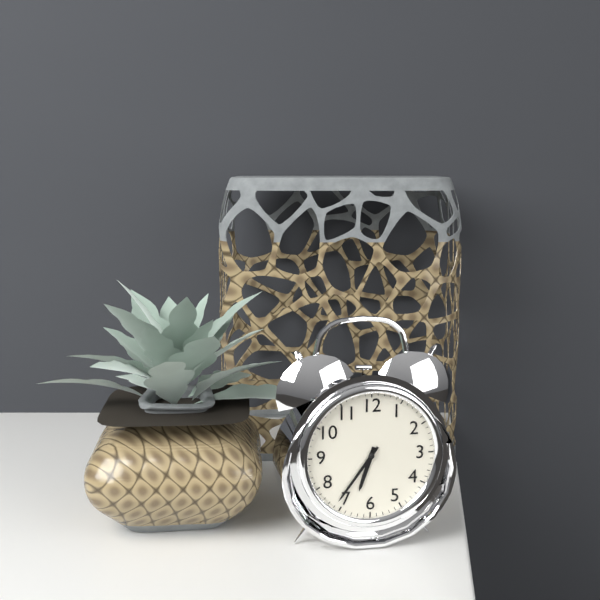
6:36
